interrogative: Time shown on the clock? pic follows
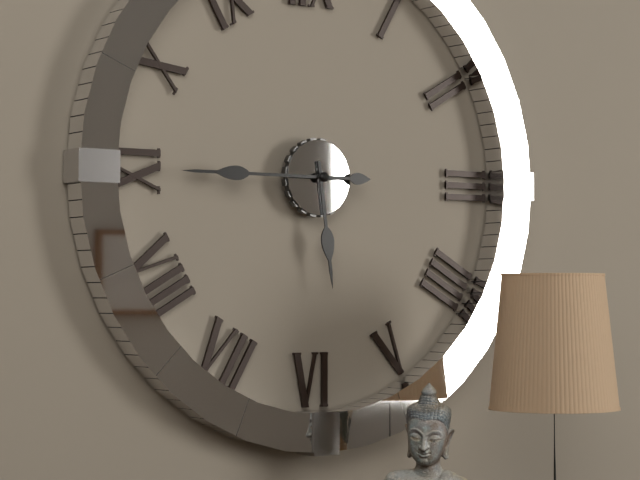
5:45
